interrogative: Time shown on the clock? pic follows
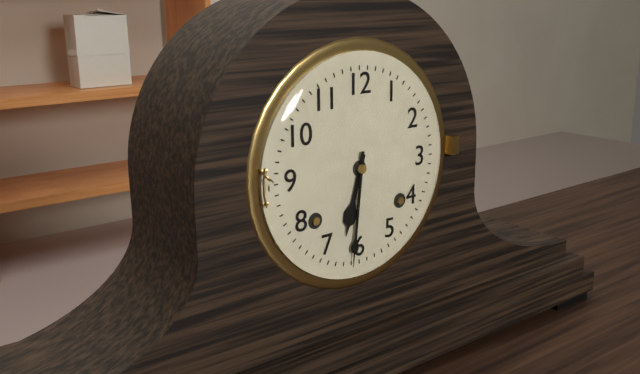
6:31
